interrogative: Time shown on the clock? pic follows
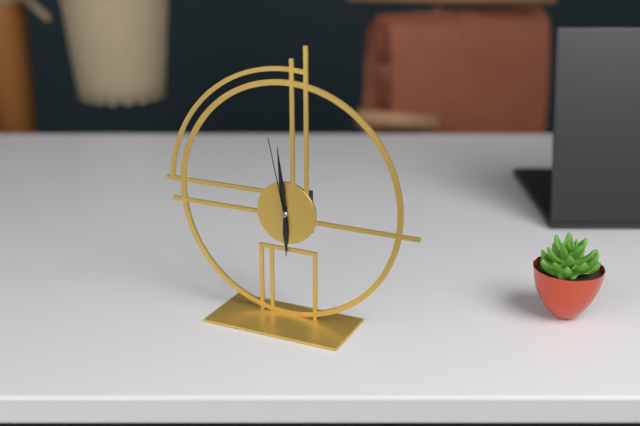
5:59:58
